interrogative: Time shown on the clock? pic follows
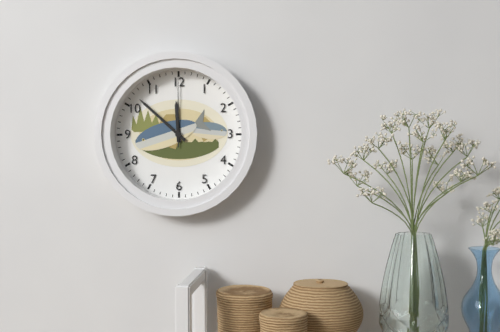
11:52:00
